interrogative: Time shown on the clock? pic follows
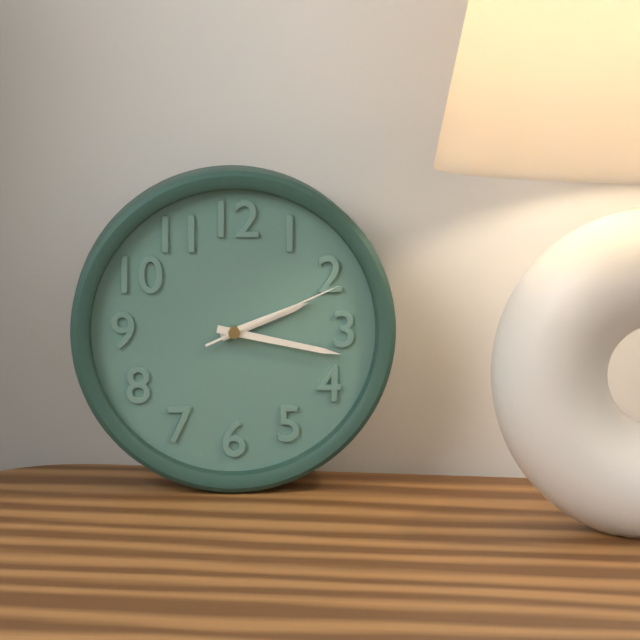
2:17:11
